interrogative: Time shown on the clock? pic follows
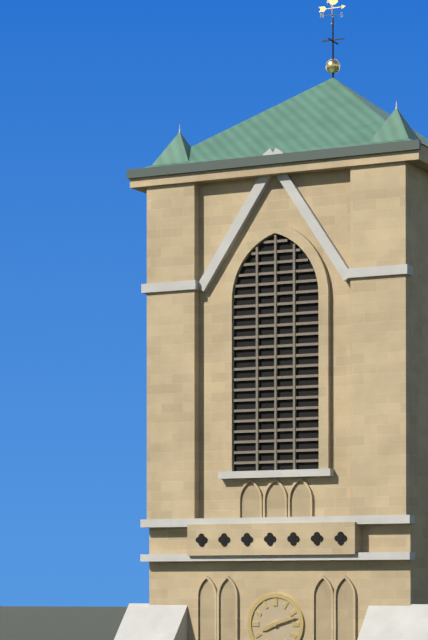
8:12
